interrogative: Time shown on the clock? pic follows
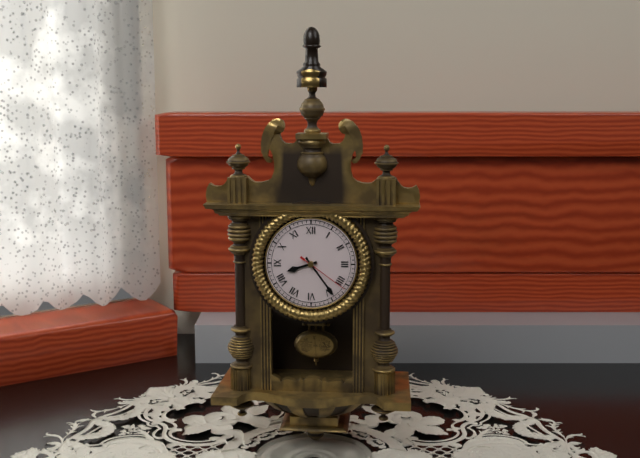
8:24:21
